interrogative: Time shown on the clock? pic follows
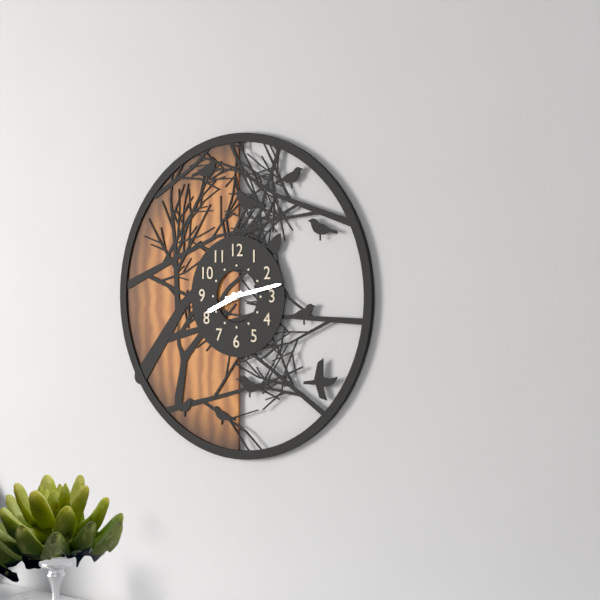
8:13
